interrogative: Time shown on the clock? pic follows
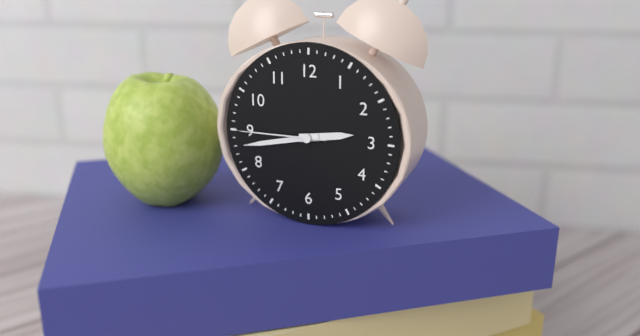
2:43:45
